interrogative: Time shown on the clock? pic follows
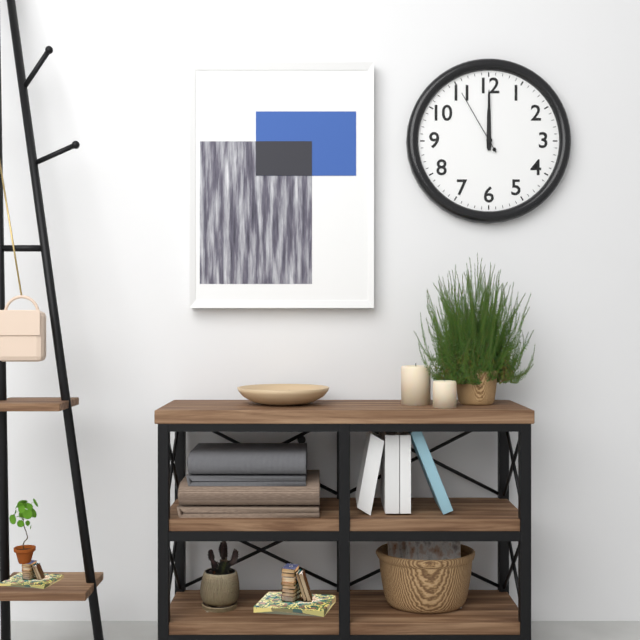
12:00:55
